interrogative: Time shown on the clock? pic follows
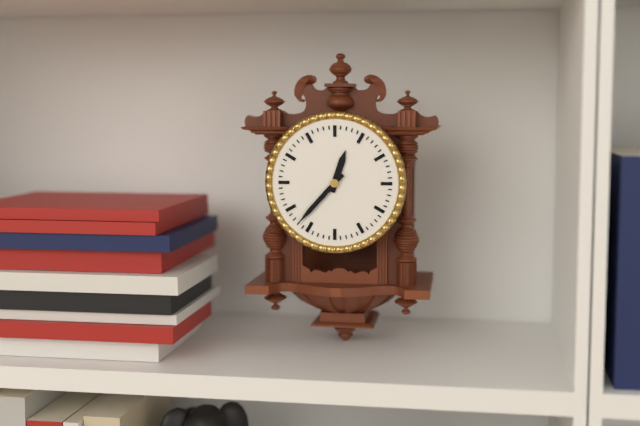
12:37
